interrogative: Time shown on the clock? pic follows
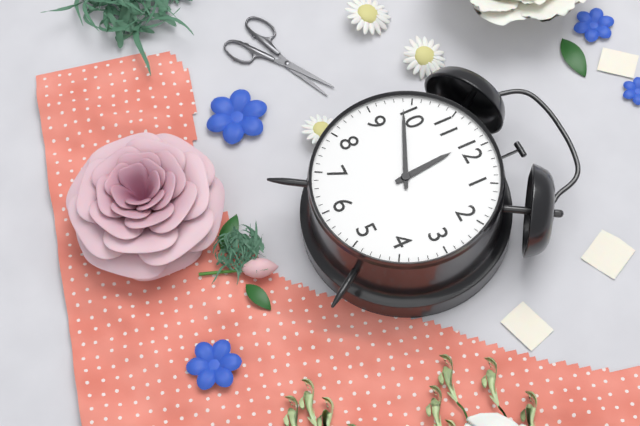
11:49
